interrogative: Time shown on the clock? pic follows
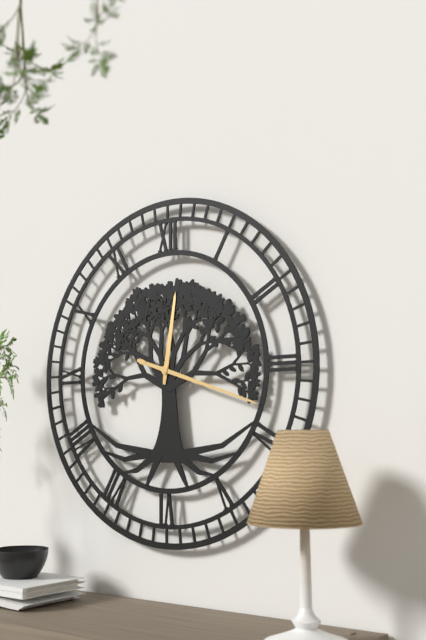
12:18
